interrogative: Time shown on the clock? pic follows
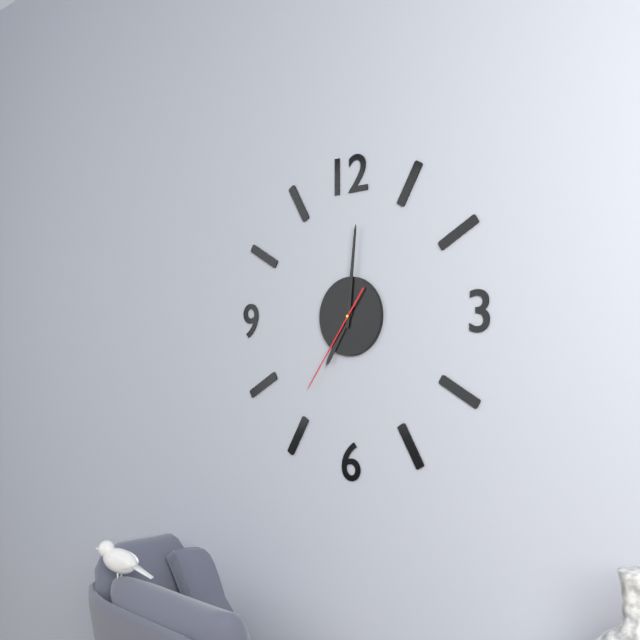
7:01:36
